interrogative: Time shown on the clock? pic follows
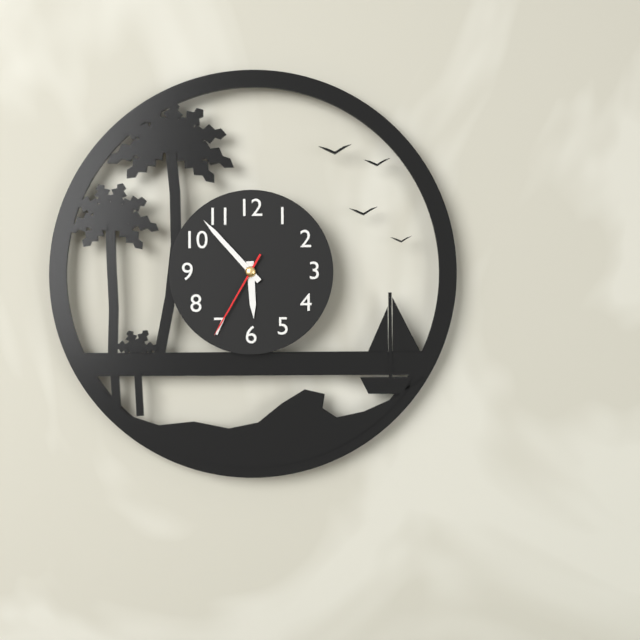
5:53:35
